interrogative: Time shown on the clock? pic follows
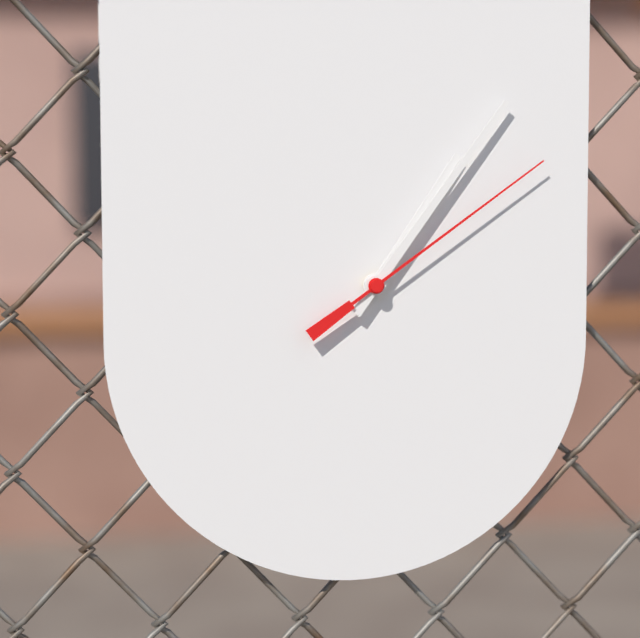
1:06:09
